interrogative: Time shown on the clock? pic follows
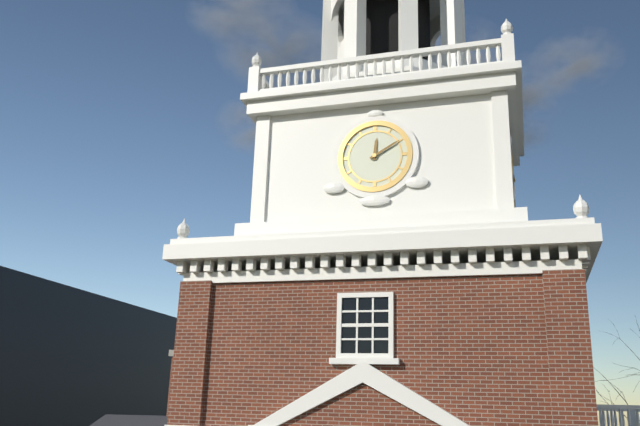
12:10
